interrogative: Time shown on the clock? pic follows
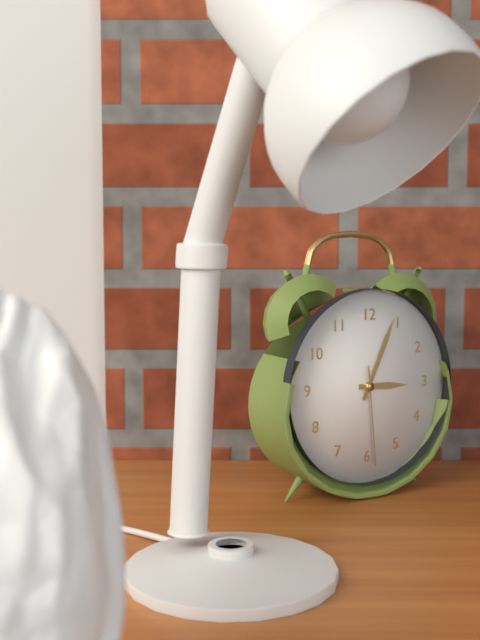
3:04:29
